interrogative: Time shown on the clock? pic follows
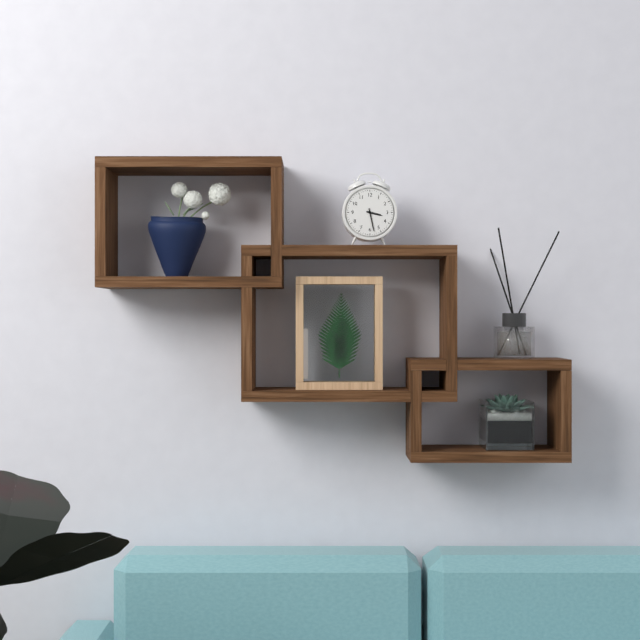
3:28
